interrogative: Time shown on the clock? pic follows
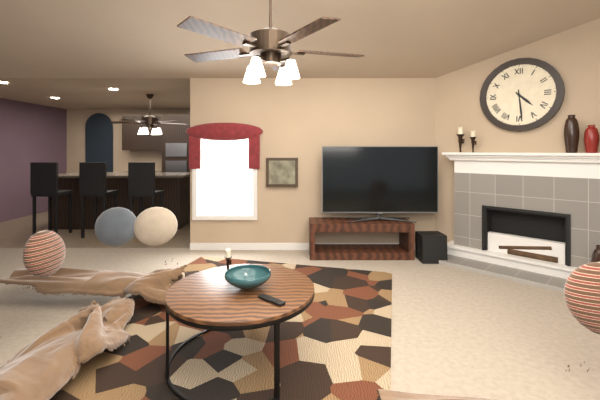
4:29
